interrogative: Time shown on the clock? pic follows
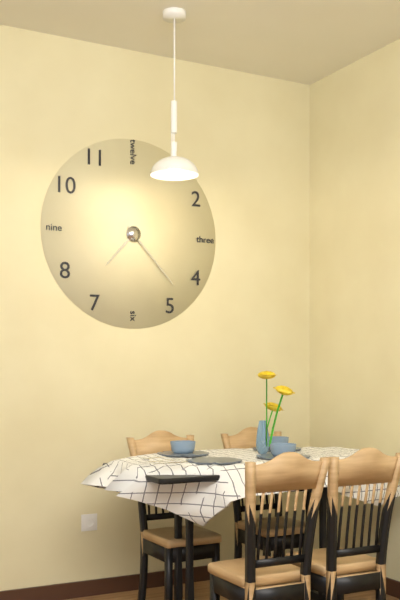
7:23
